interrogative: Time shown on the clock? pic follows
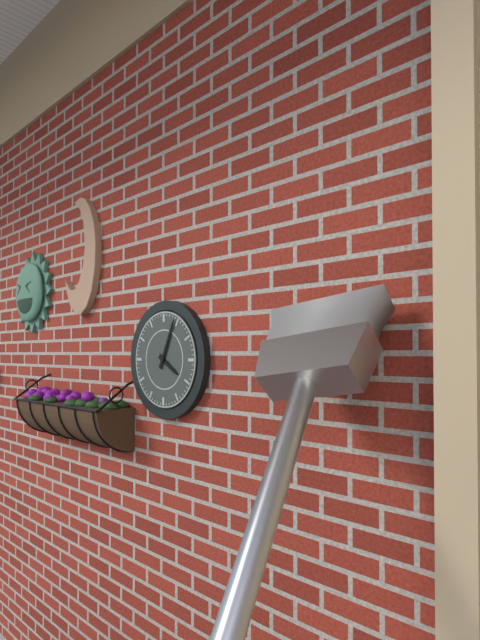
4:04
